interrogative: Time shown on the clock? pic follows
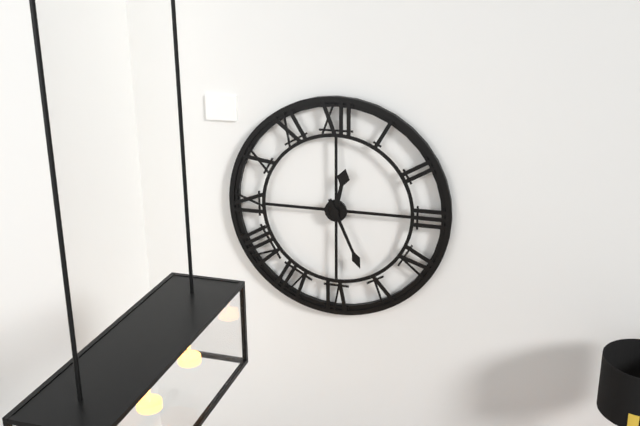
12:26
